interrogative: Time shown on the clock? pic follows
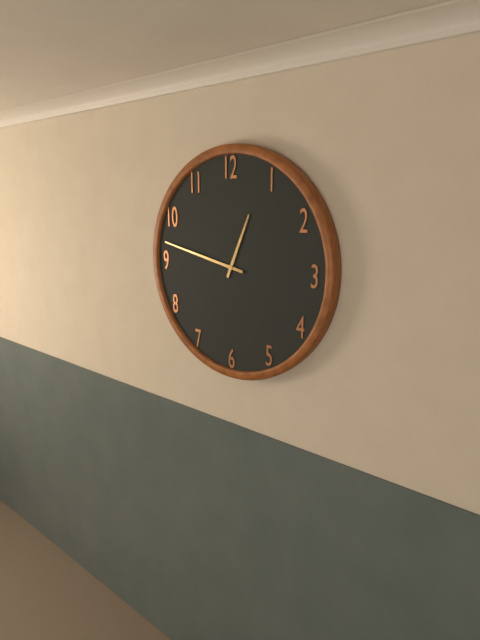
12:47
